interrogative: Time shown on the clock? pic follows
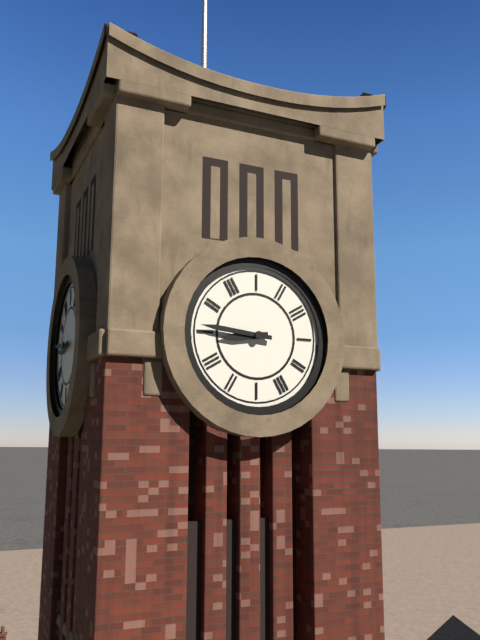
8:46
